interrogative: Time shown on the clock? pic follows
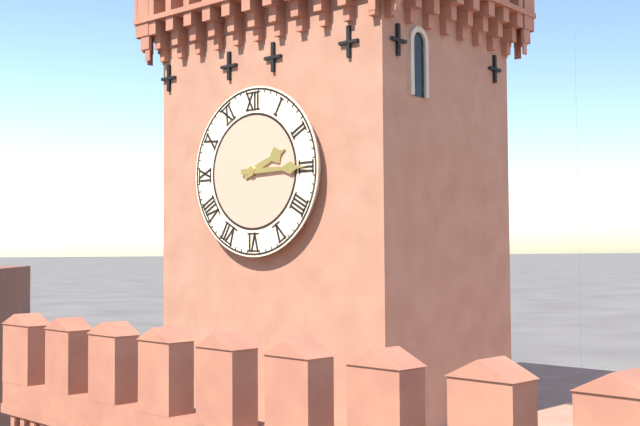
2:15
